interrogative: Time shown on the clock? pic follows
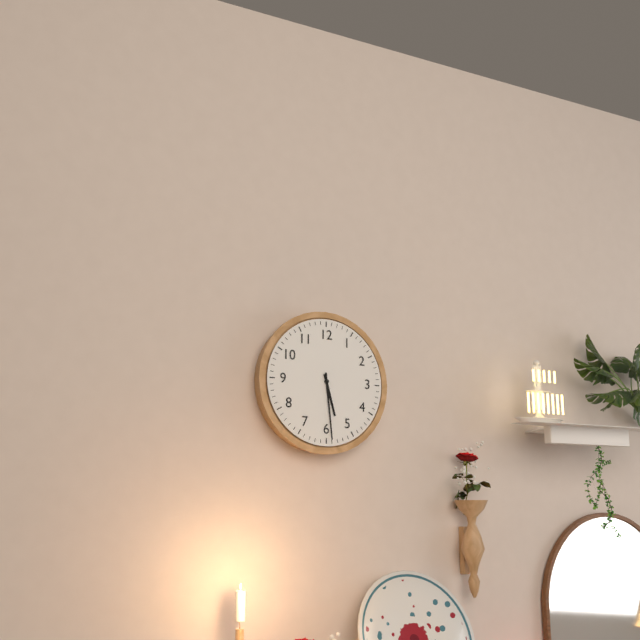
5:29
